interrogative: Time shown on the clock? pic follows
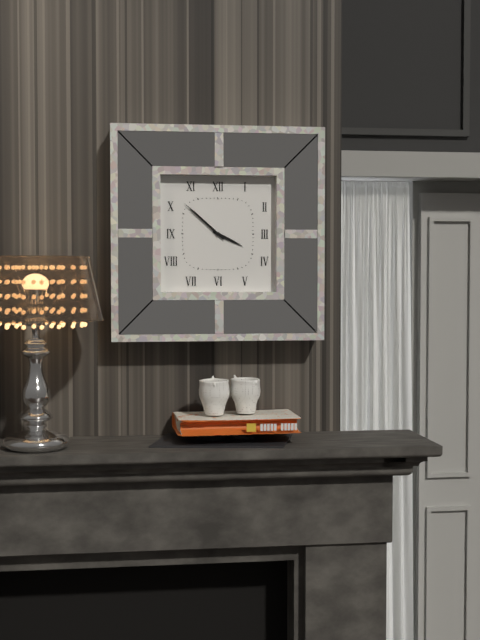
3:52
